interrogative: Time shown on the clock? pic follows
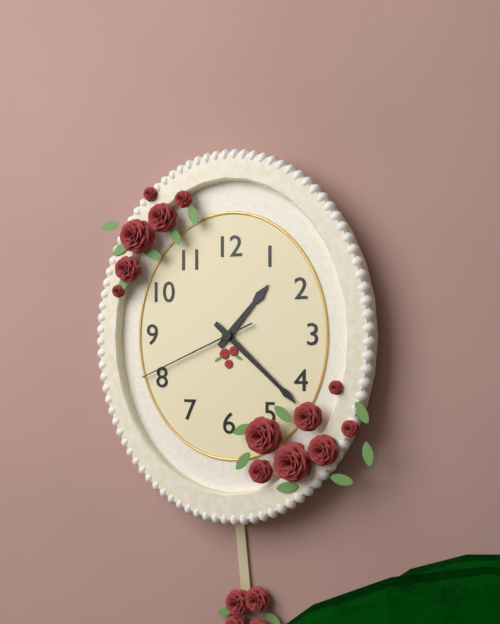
1:22:41
